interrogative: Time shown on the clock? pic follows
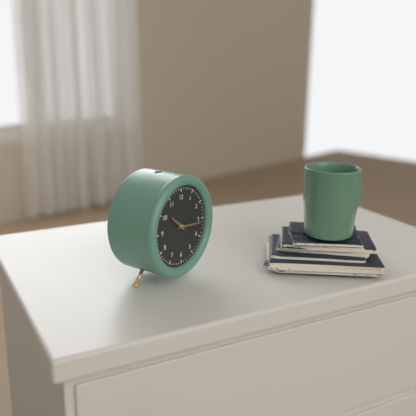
10:16
